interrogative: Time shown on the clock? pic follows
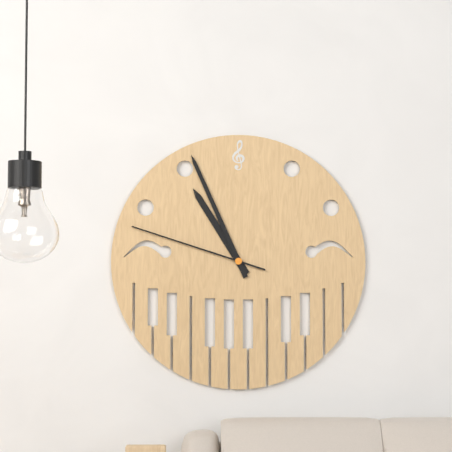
10:56:48
